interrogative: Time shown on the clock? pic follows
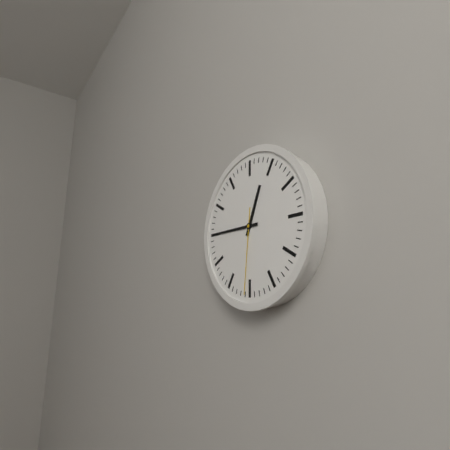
12:45:31
